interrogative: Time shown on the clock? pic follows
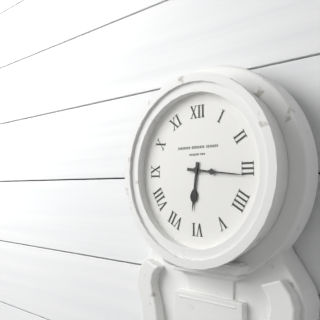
6:16
